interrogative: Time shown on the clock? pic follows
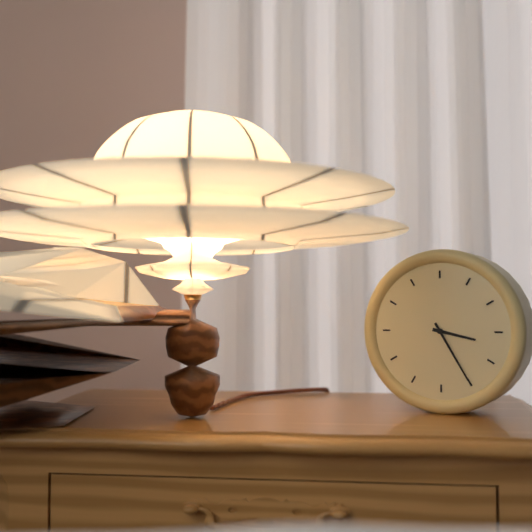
3:25
